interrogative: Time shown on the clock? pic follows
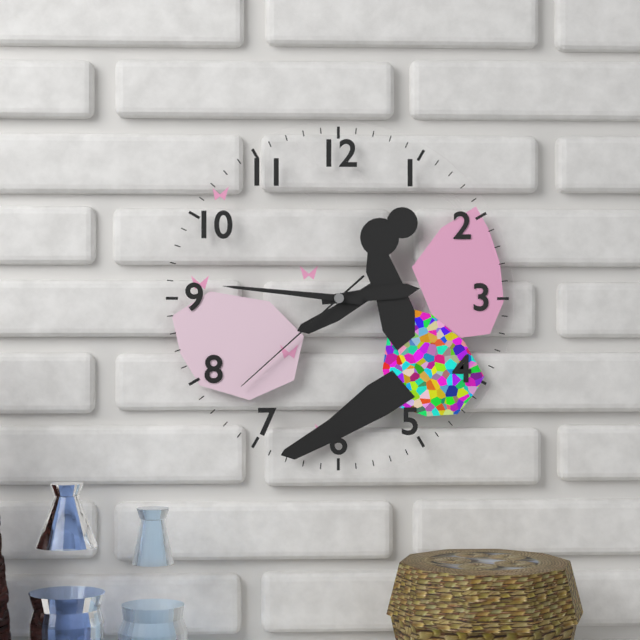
2:46:38
